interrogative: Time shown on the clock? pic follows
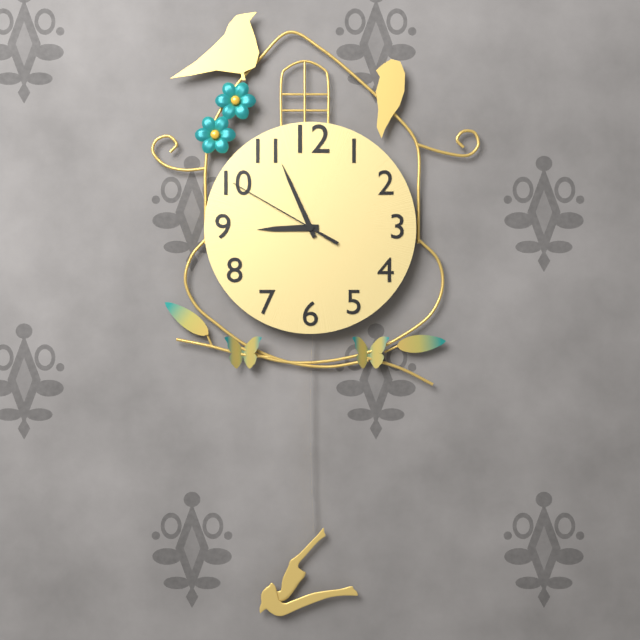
8:56:50
